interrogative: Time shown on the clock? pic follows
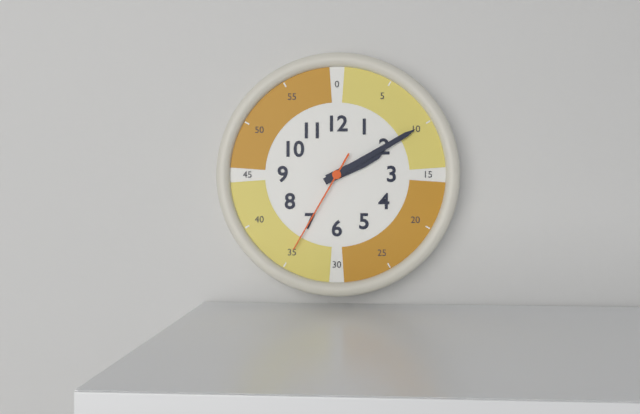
2:10:35
